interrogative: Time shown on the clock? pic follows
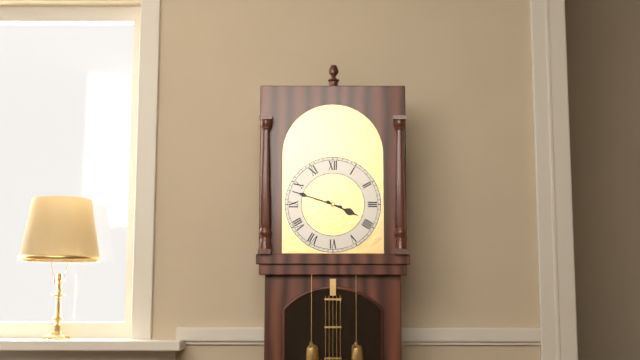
3:48
